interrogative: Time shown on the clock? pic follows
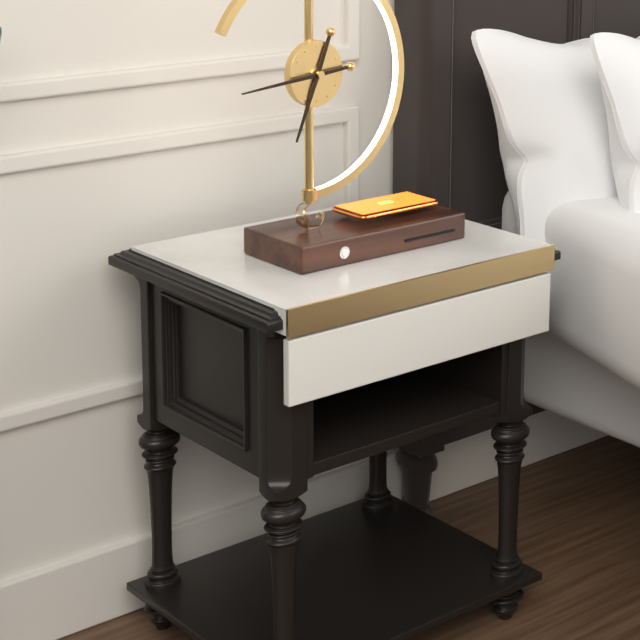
6:44
